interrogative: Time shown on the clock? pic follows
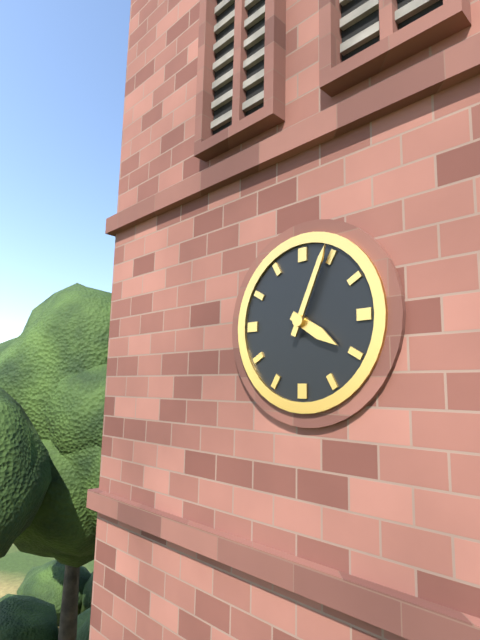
4:04
